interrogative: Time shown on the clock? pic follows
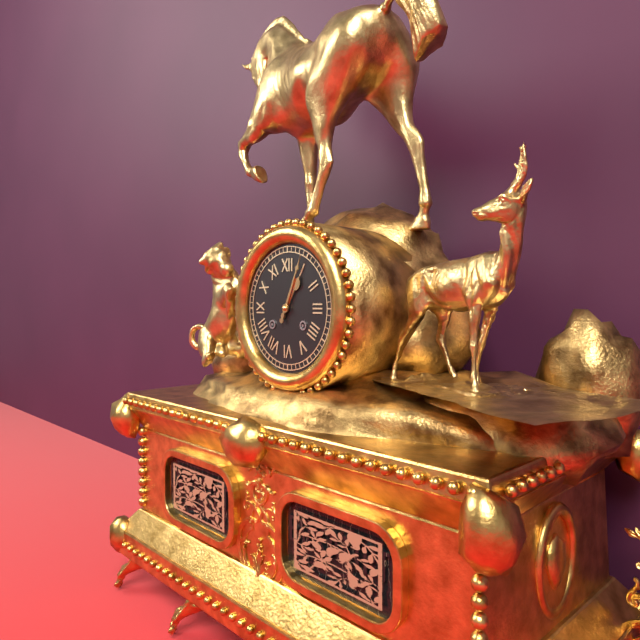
1:04
